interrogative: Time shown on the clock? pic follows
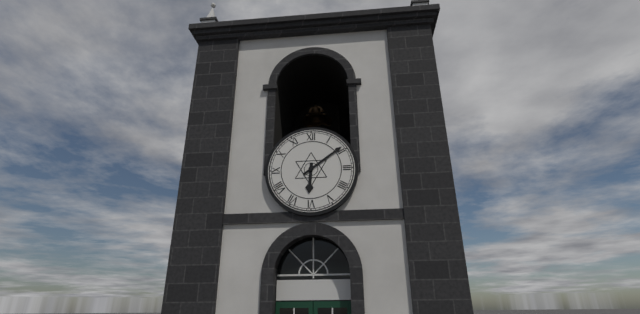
6:09
